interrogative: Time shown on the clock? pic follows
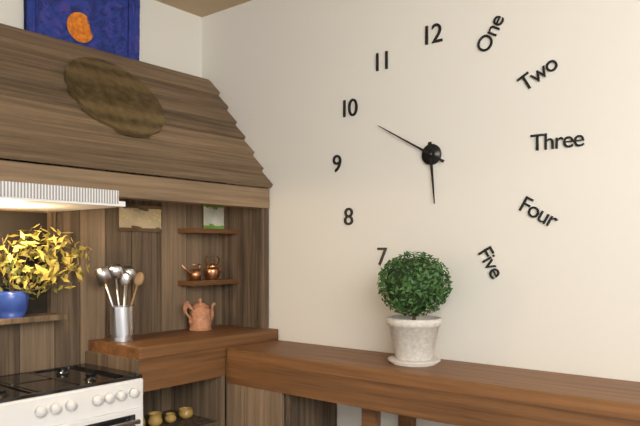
5:50
